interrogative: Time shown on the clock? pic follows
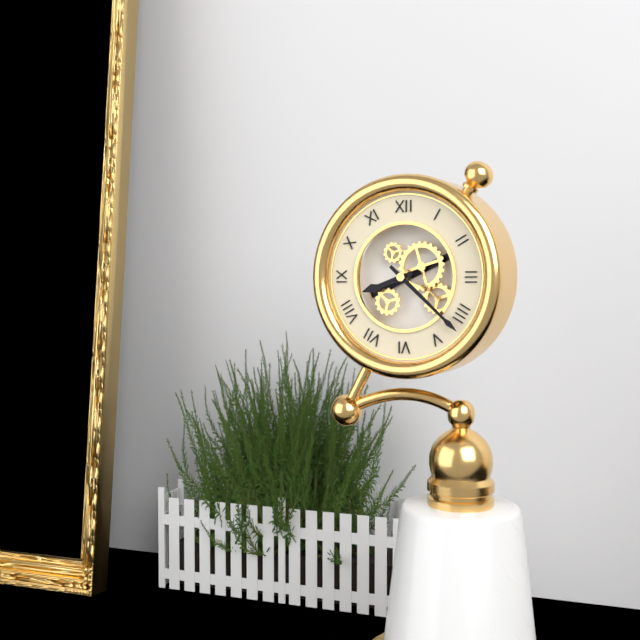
8:22
